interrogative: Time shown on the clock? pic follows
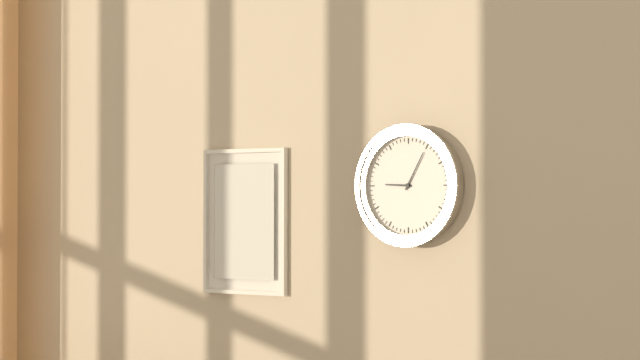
9:05
